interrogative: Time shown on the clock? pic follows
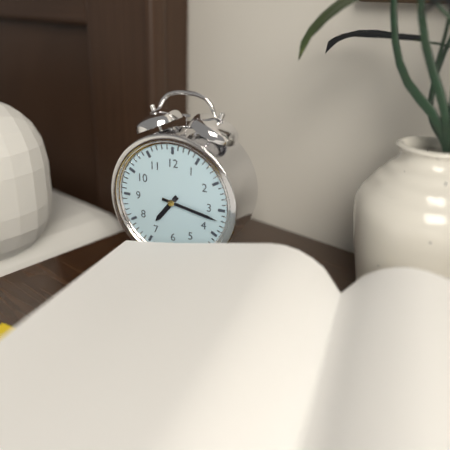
7:17
